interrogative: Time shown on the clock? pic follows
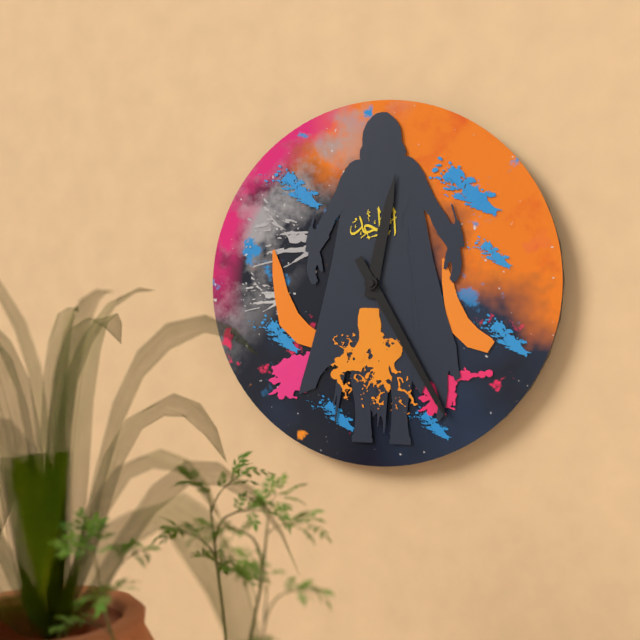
12:25
